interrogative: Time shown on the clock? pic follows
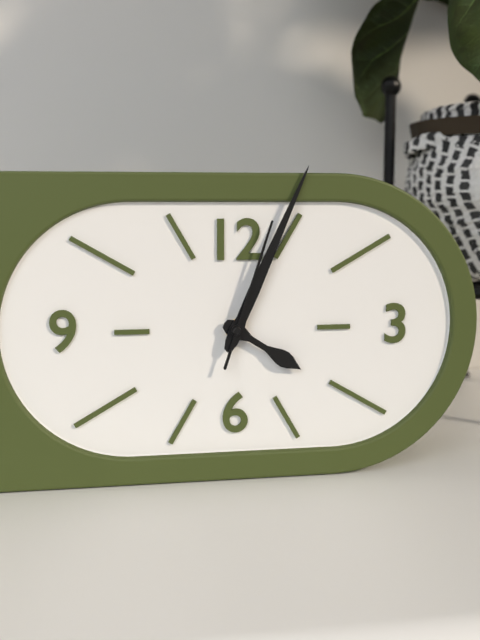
4:04:03
